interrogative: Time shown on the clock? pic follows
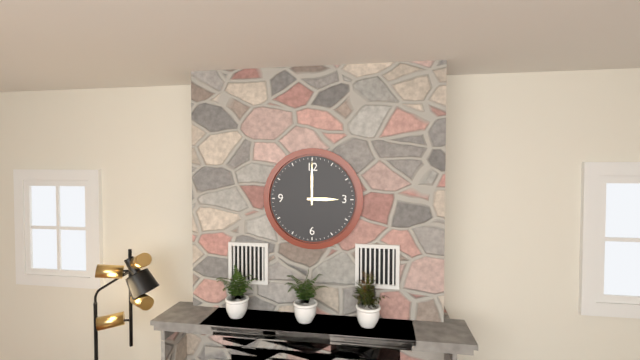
3:00
